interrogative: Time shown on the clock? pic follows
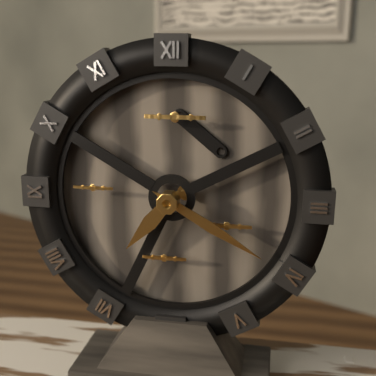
7:20
